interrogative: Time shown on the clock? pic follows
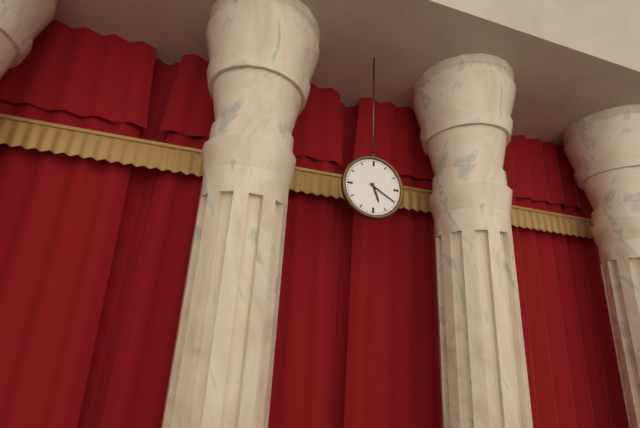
5:20
